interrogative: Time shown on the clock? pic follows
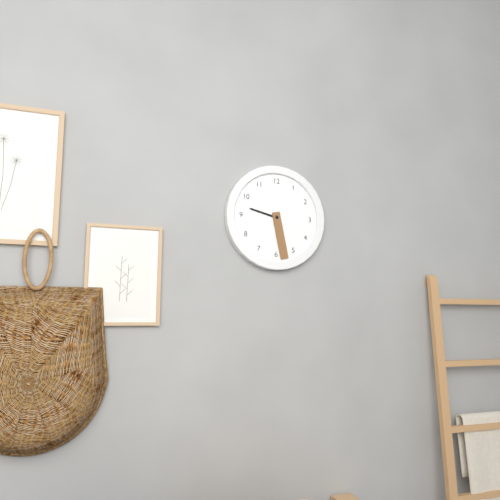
9:28
